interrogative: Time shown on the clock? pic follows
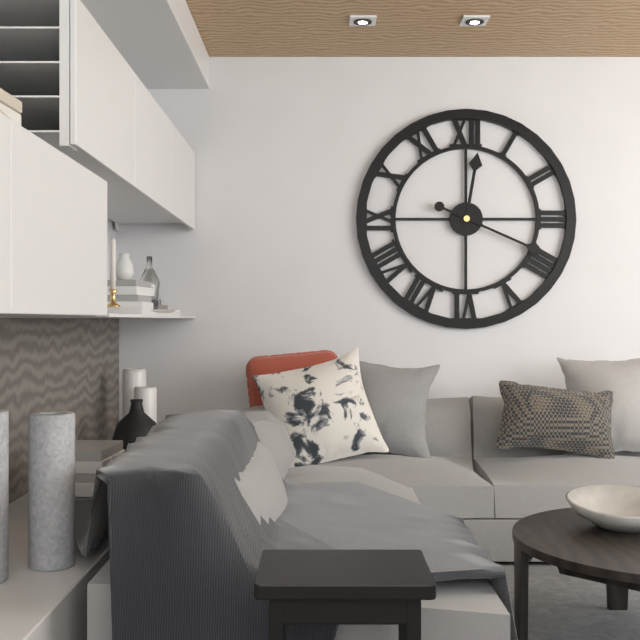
12:19
